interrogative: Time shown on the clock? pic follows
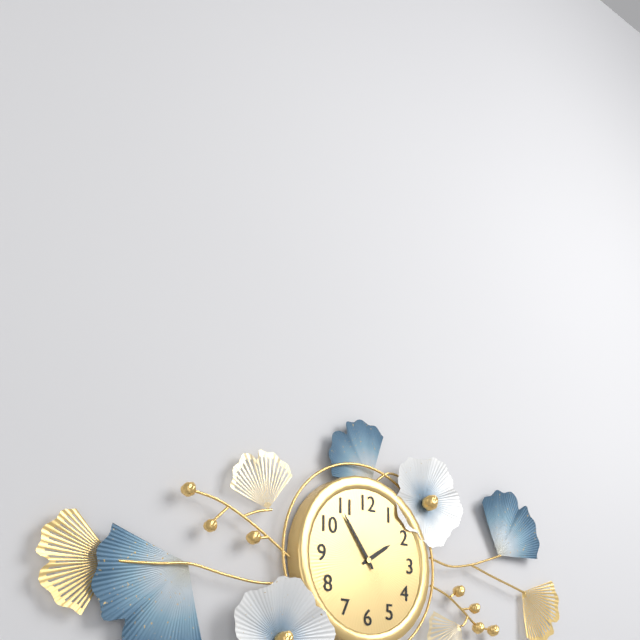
1:54
